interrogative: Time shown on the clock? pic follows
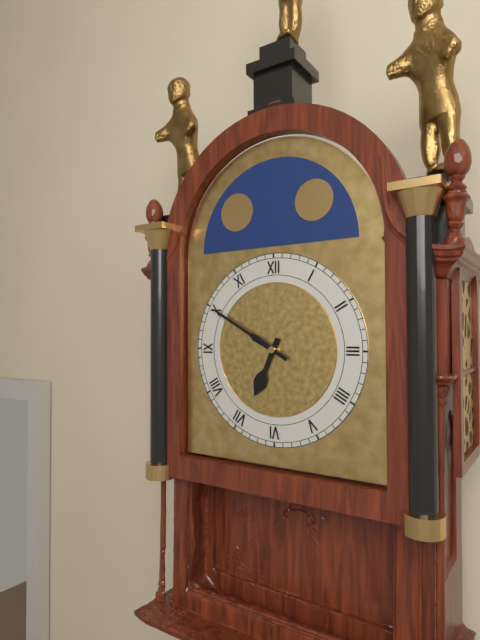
6:50
